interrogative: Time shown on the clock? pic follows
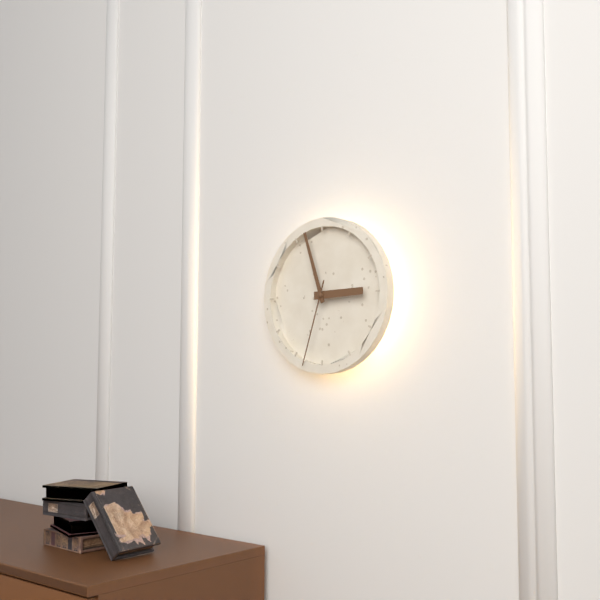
2:57:33
